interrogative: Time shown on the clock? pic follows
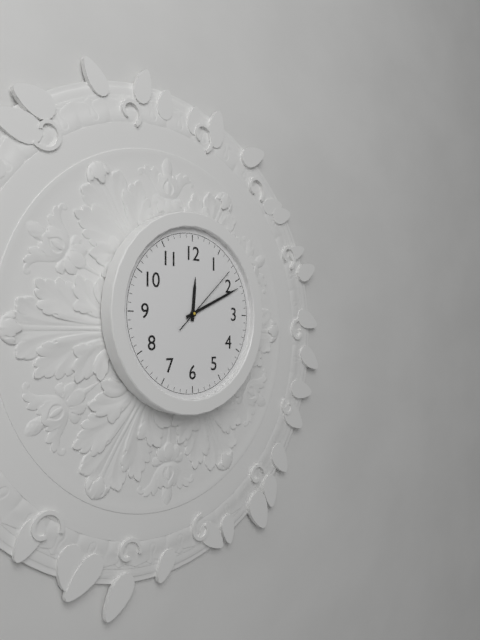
12:11:08
